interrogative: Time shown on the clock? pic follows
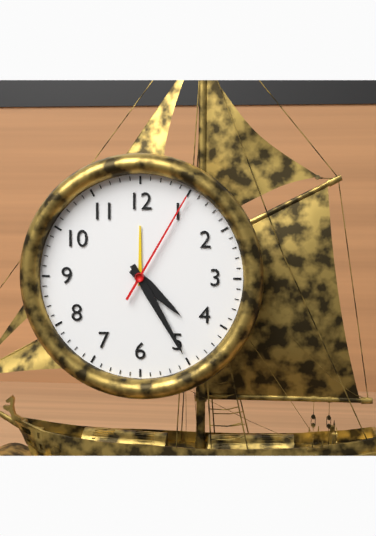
4:25:05
